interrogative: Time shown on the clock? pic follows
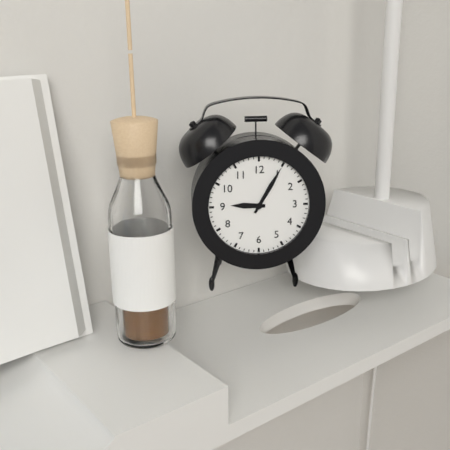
9:05
